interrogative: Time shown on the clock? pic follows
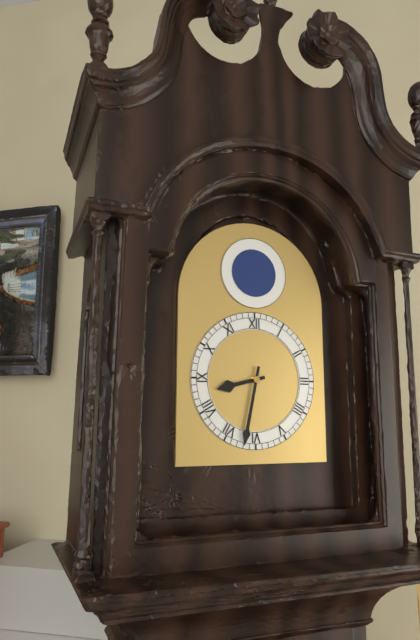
8:32
